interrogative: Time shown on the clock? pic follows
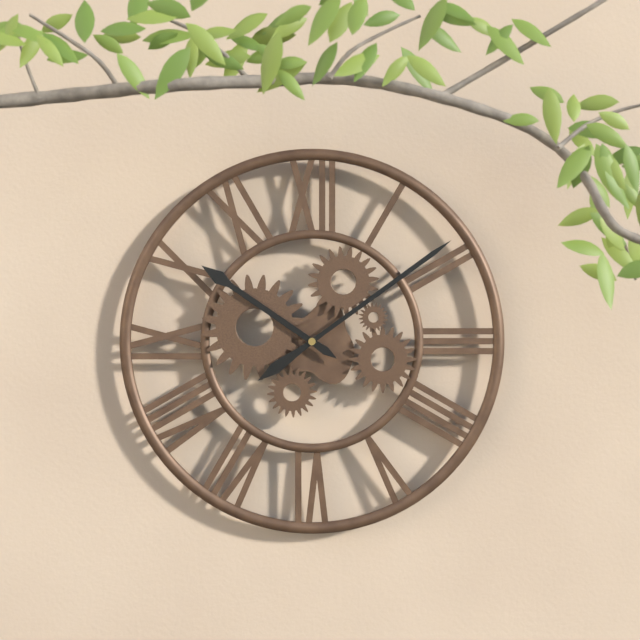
10:09
